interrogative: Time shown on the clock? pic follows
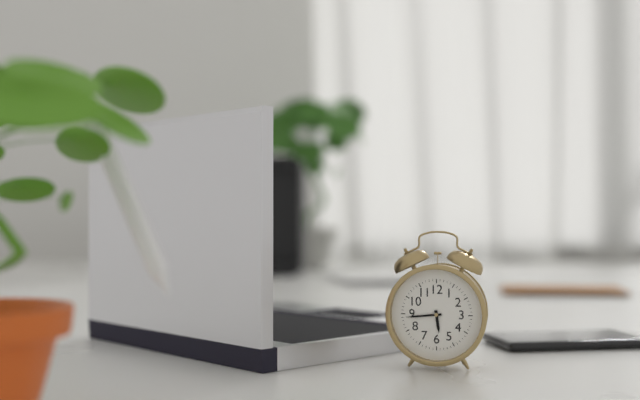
5:44
